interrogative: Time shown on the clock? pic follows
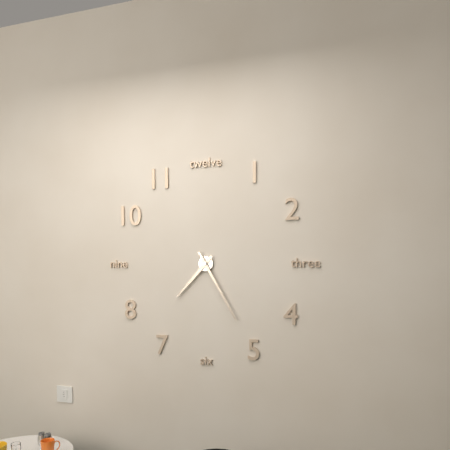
7:25
